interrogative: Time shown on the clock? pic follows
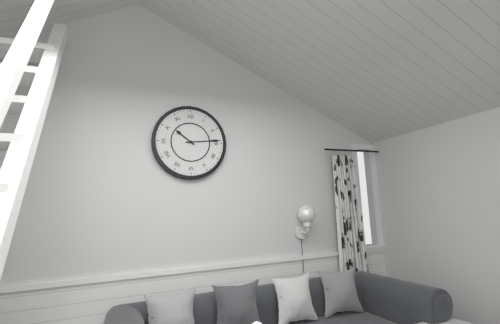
10:14
